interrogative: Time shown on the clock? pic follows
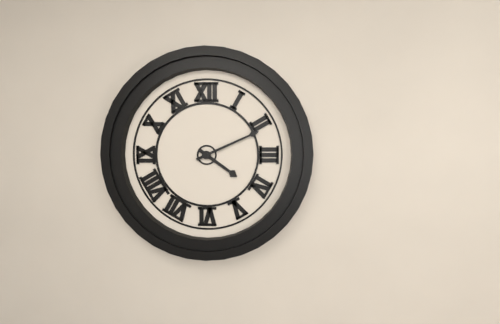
4:11
